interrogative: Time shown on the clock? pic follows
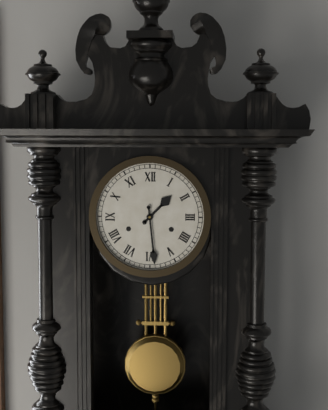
1:29
